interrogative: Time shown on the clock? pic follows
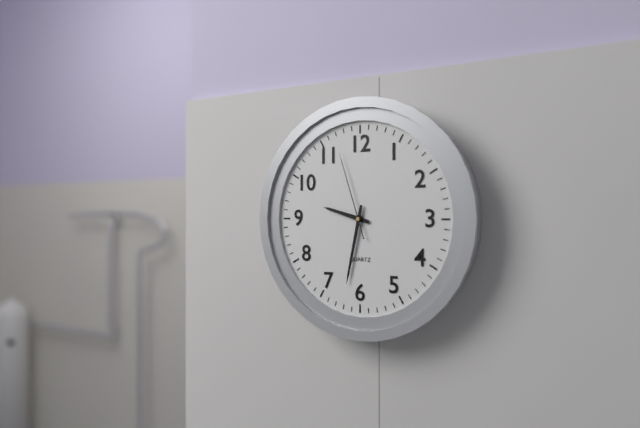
9:32:57
